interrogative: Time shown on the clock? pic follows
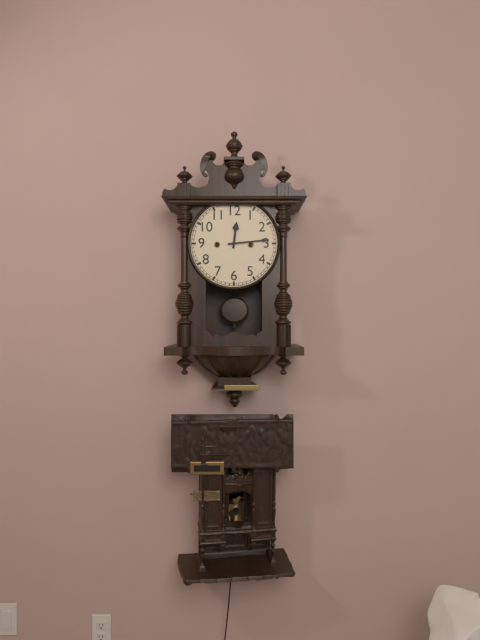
12:14
